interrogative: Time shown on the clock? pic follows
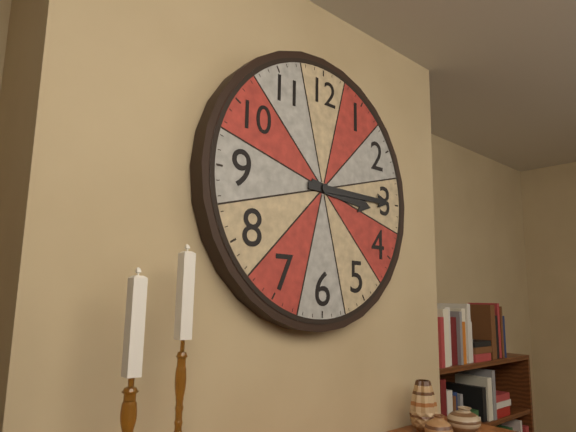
3:15
